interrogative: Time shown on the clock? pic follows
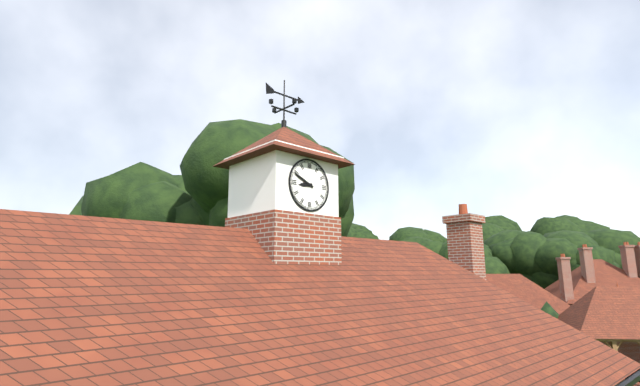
8:49
